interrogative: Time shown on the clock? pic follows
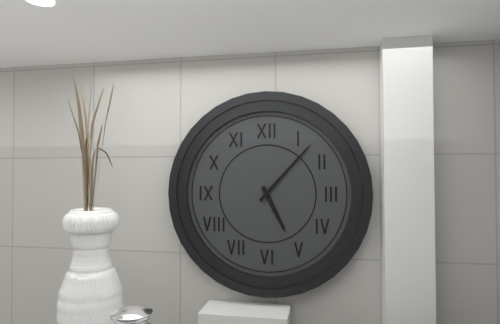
5:07
